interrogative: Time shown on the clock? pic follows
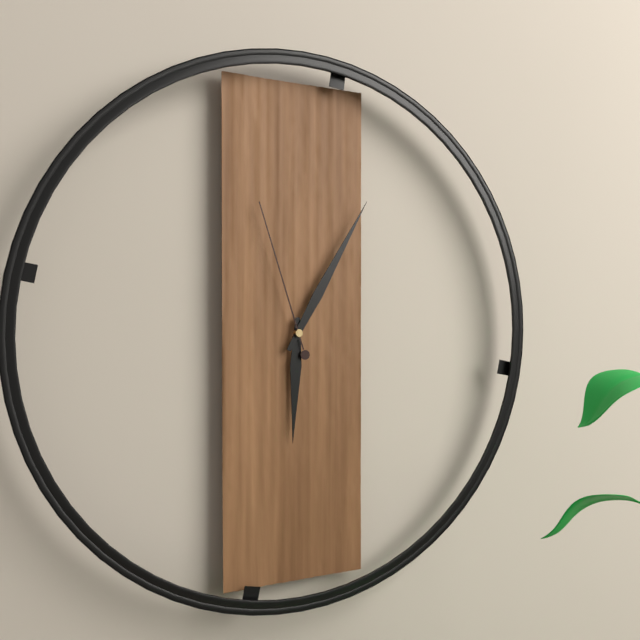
6:05:57
